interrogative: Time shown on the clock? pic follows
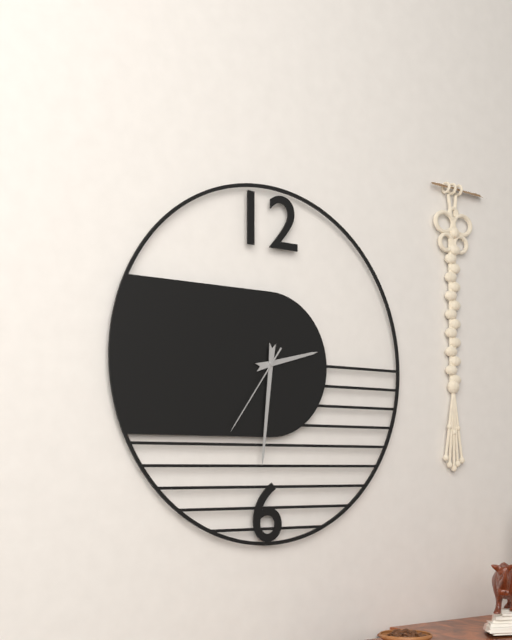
2:31:36
